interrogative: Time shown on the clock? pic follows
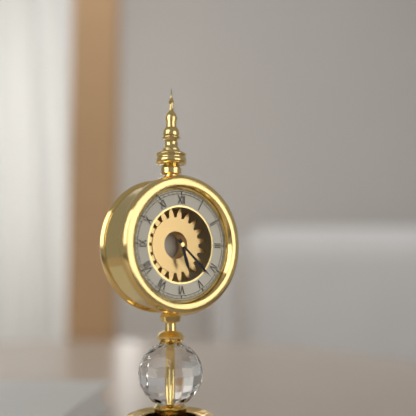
5:22
